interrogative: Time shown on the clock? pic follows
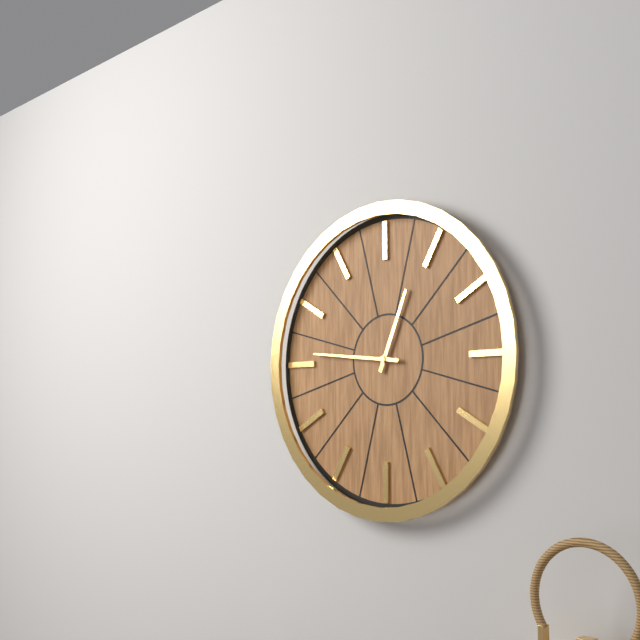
12:46
